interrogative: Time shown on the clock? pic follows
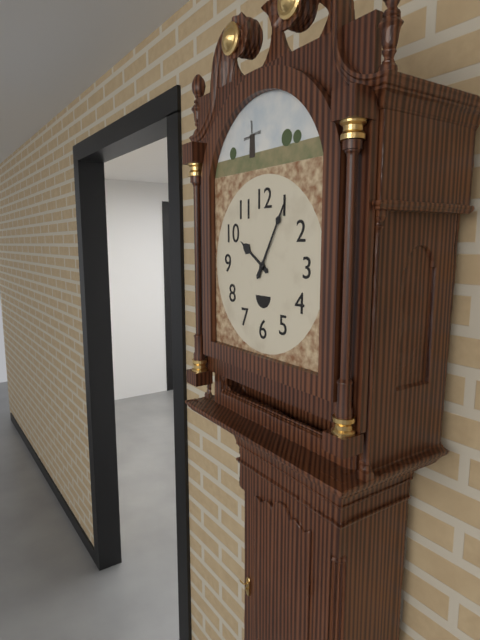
10:05
